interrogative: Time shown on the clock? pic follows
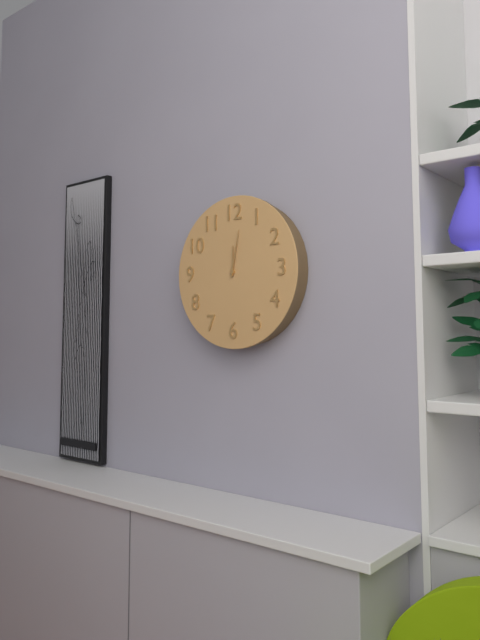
12:02
